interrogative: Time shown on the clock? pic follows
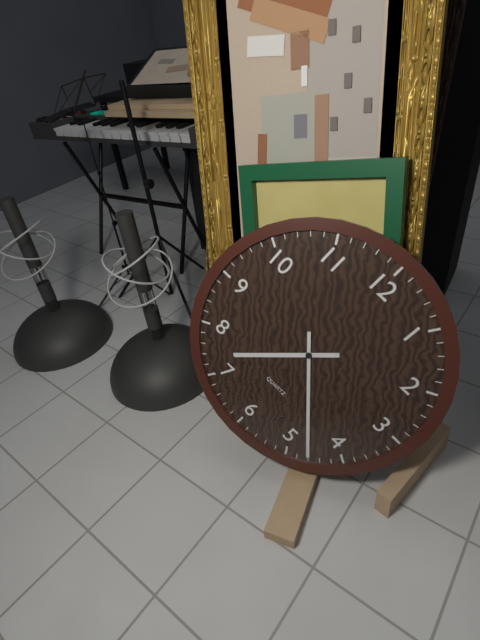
7:23
